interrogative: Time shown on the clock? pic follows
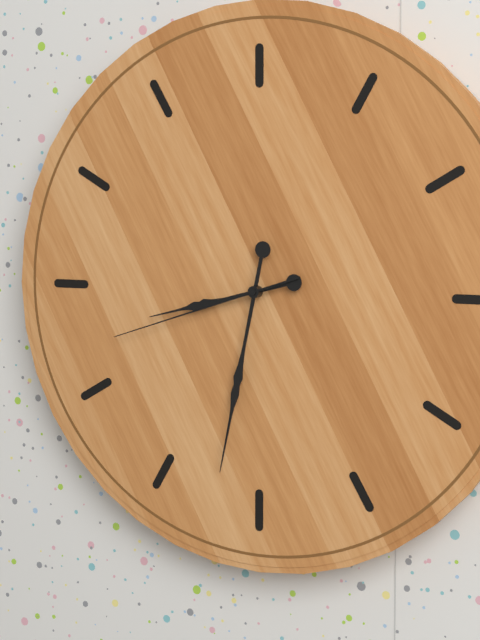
8:32:42
